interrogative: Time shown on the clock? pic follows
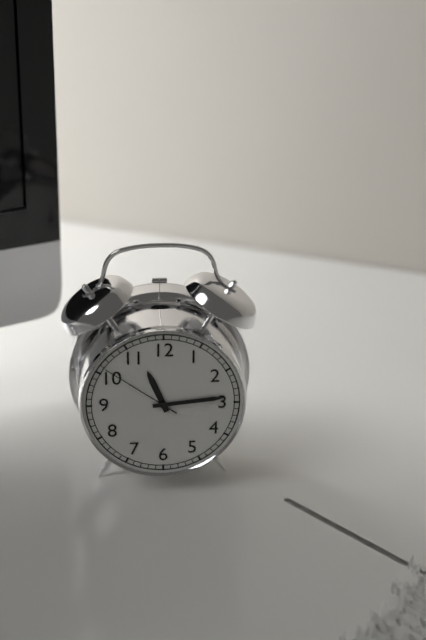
11:14:51
